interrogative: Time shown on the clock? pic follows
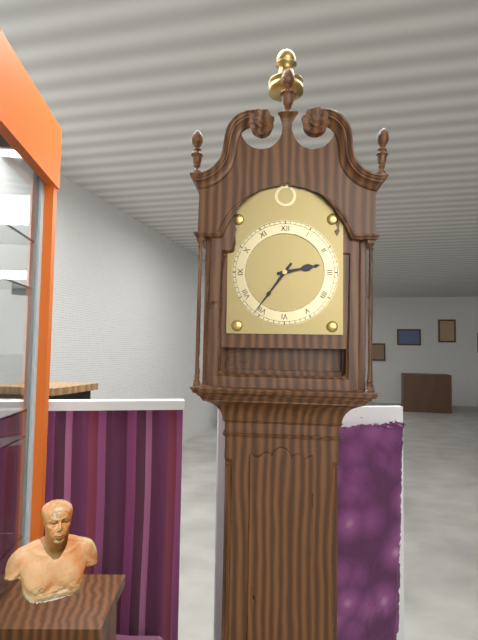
2:36
